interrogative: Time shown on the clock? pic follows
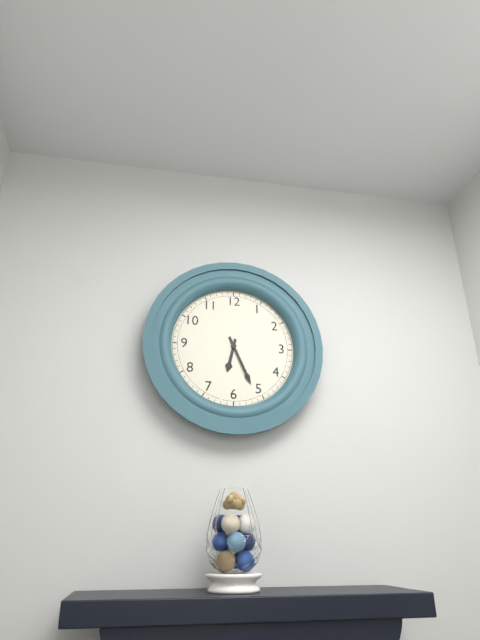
6:26
